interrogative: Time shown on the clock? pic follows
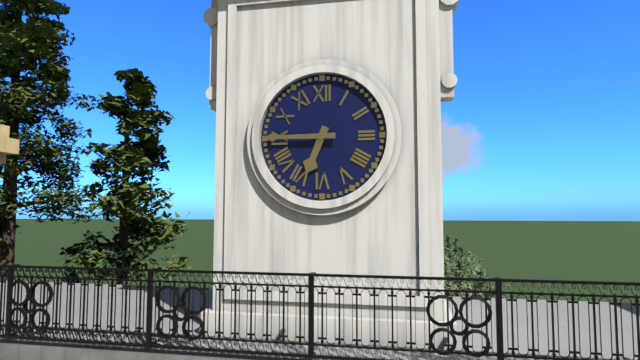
6:45
